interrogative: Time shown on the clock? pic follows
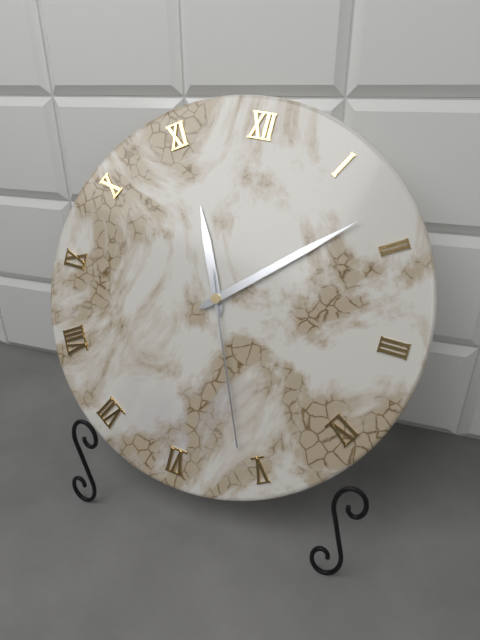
11:08:26
